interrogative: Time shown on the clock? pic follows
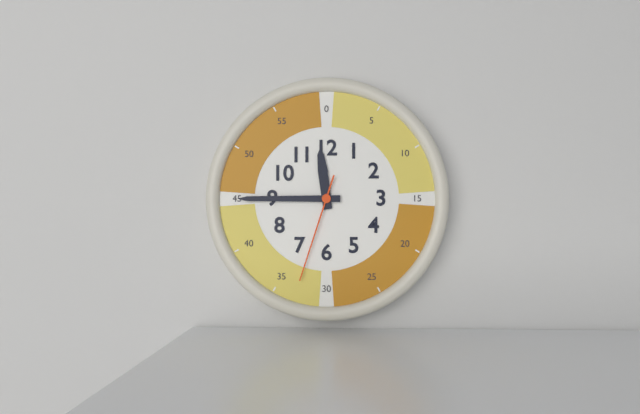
11:45:33
